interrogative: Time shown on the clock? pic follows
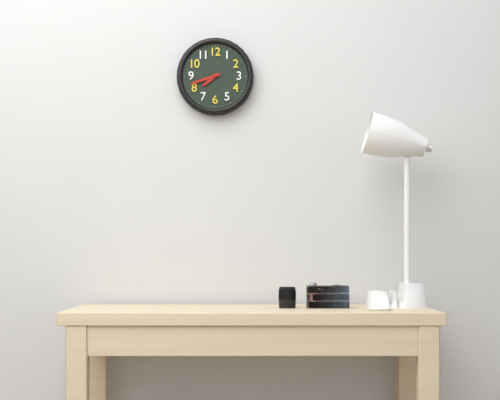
7:42
